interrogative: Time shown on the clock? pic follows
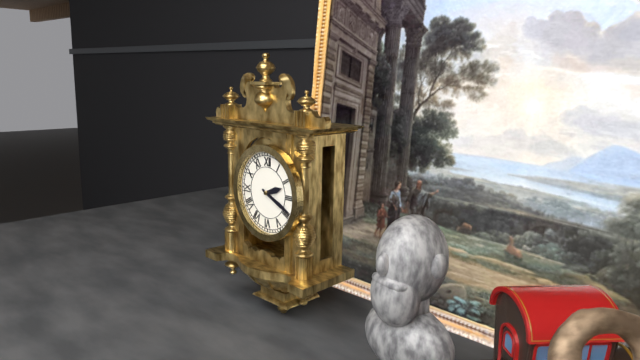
2:19
